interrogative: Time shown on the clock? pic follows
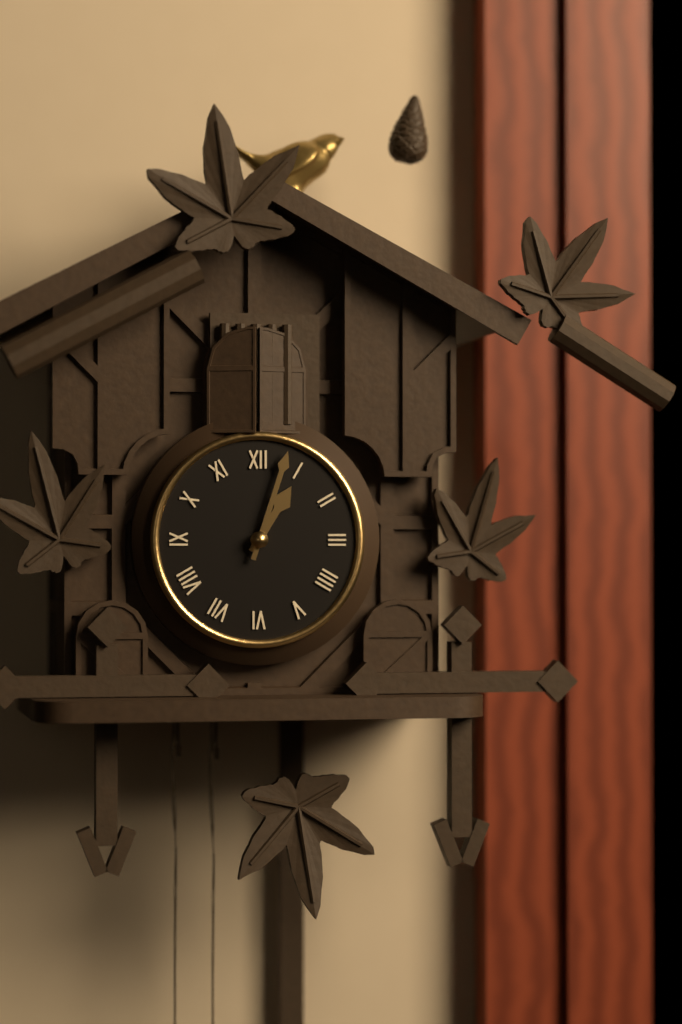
1:03
